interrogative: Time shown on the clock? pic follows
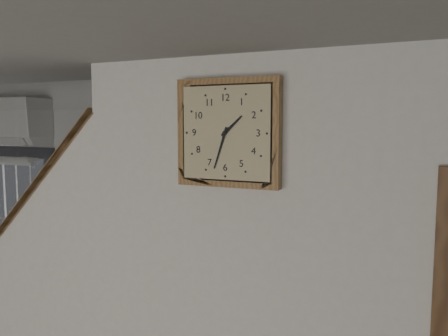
1:33
